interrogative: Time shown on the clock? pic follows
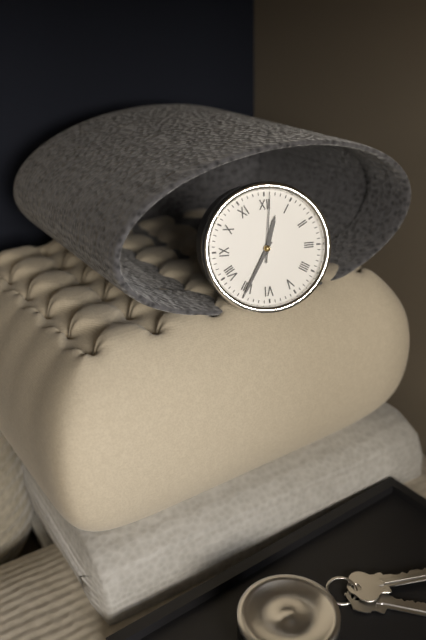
12:35:01
